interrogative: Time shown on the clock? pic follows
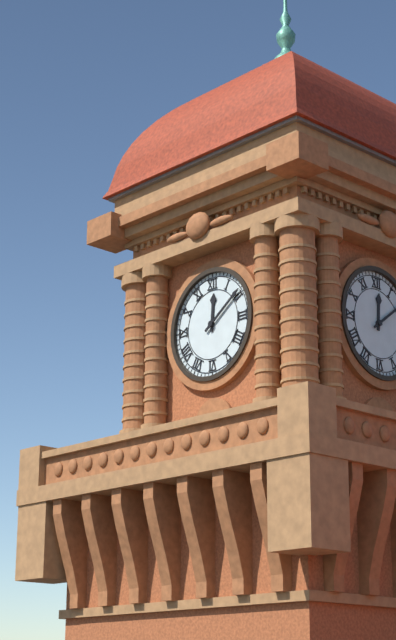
12:09
